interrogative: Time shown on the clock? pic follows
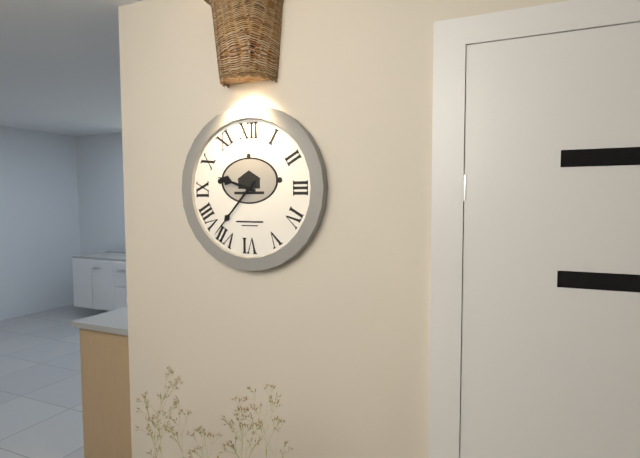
9:37
